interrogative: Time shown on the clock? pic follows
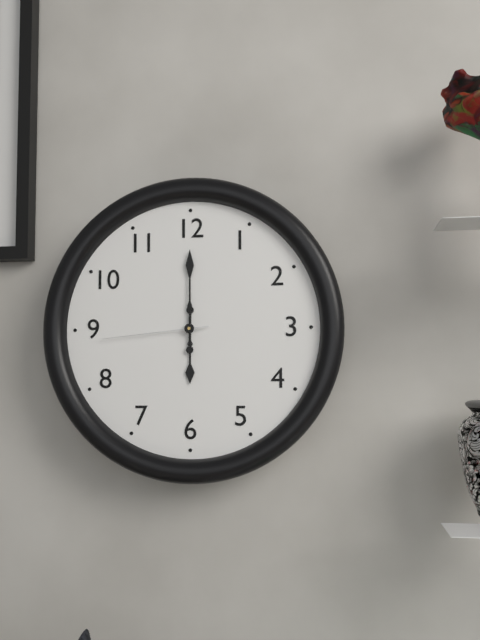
6:00:44
